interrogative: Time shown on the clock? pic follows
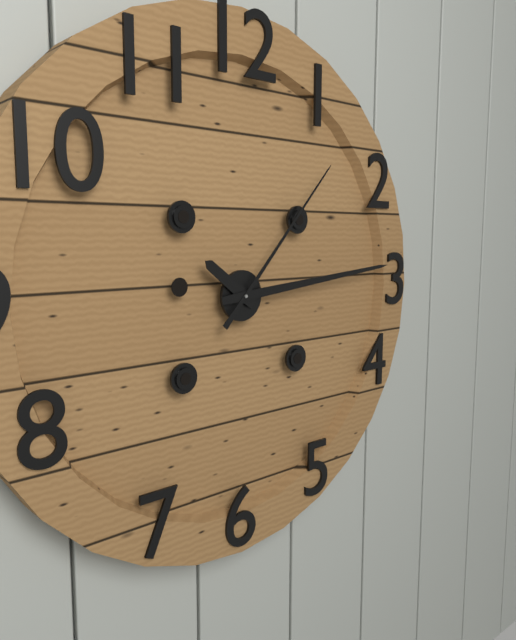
10:14:07
